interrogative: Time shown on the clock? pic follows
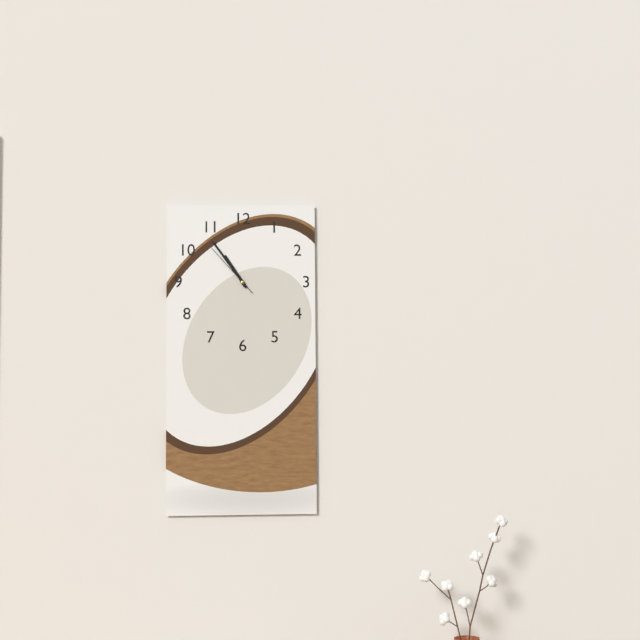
10:54:53
